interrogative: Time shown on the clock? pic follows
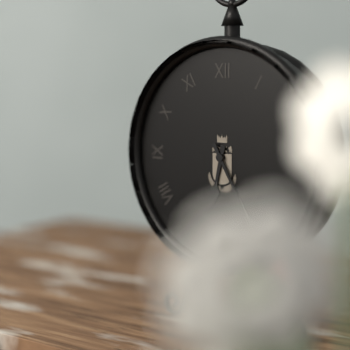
6:25
